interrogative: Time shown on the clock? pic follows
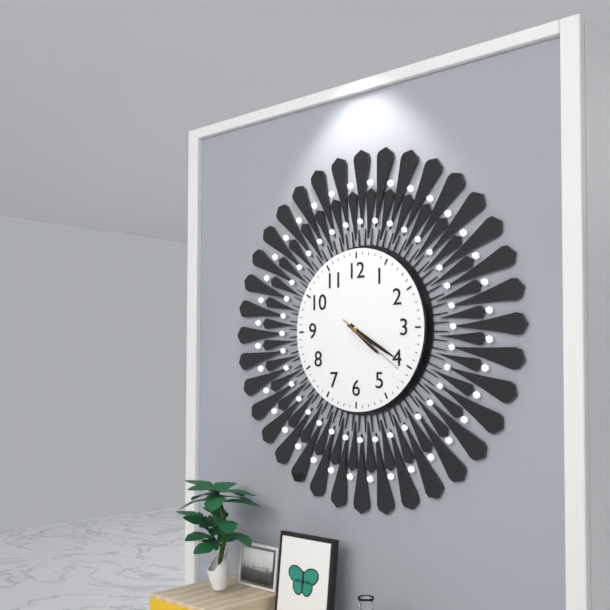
4:20:21
